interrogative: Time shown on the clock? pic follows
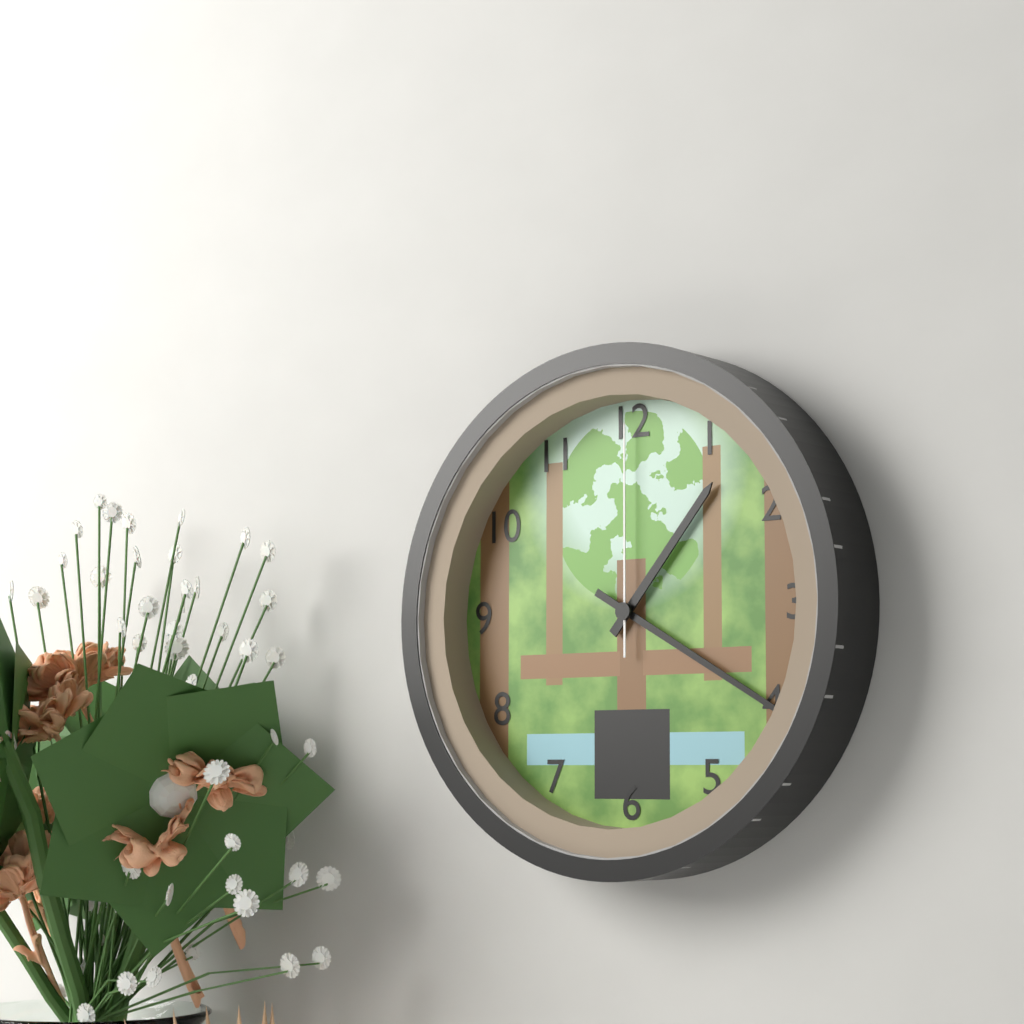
1:20:00
